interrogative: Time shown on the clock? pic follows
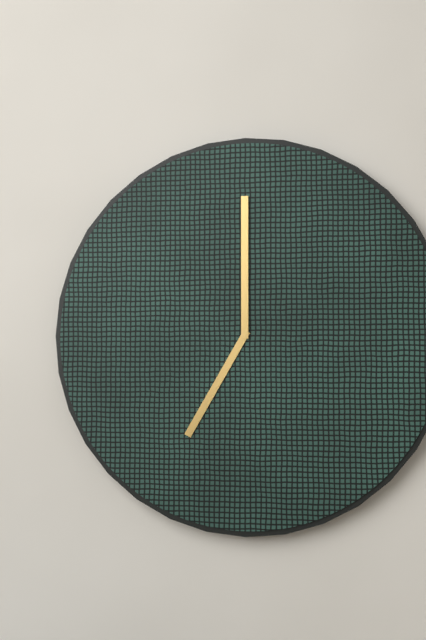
7:00
